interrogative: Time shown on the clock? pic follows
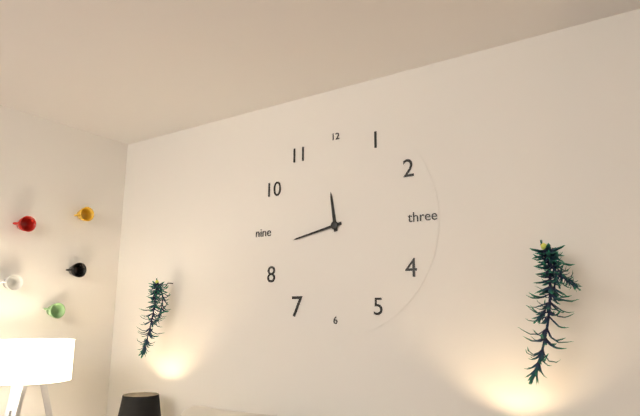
11:43
